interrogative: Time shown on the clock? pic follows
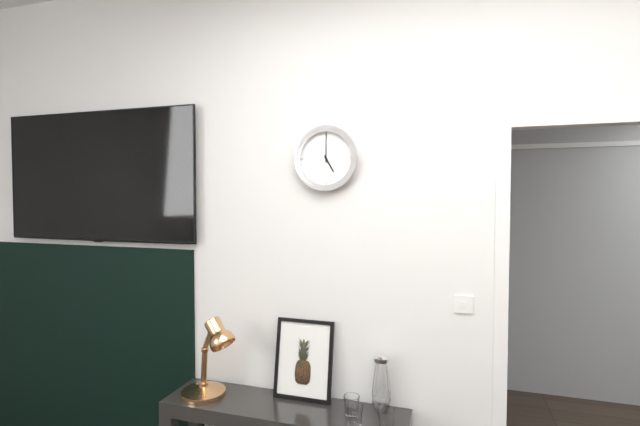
5:00
